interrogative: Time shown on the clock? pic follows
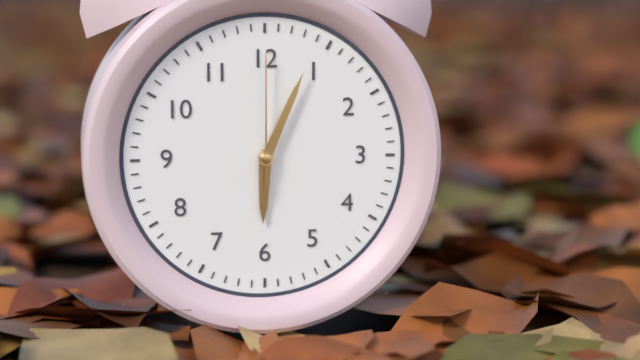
6:04:00
